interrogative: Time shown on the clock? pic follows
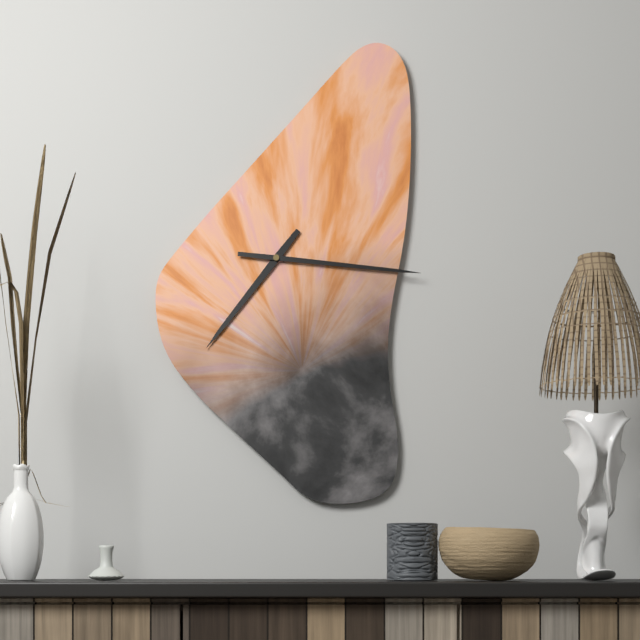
7:16
